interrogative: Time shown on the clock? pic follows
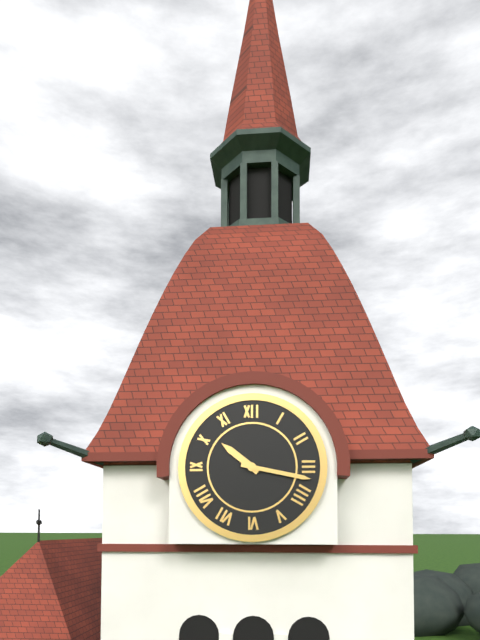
10:17
